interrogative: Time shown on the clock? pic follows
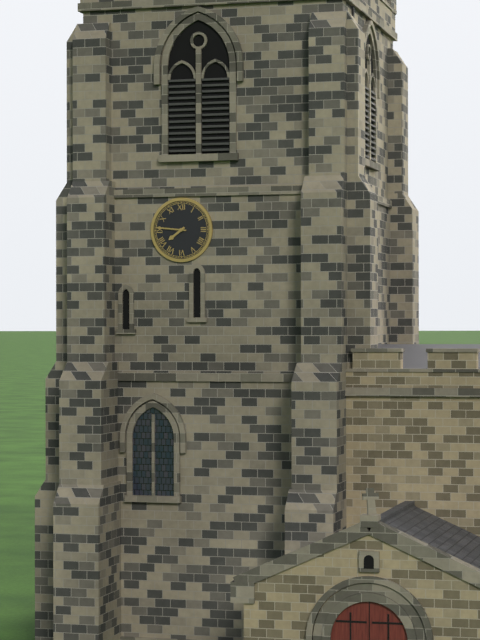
7:46
